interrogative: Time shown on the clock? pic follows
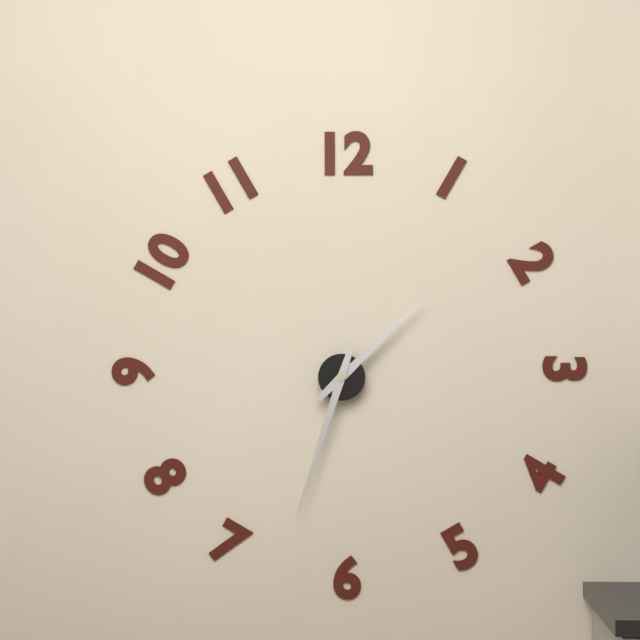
1:33
